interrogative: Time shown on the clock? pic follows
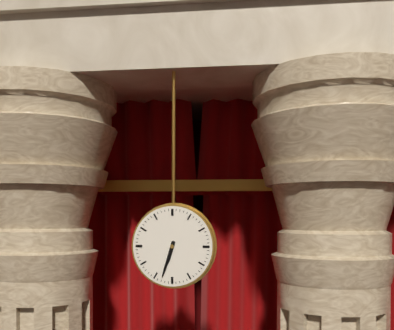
6:33
